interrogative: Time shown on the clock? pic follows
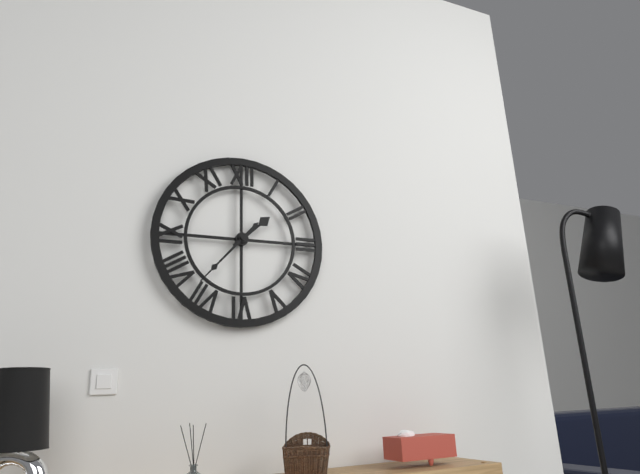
1:37
